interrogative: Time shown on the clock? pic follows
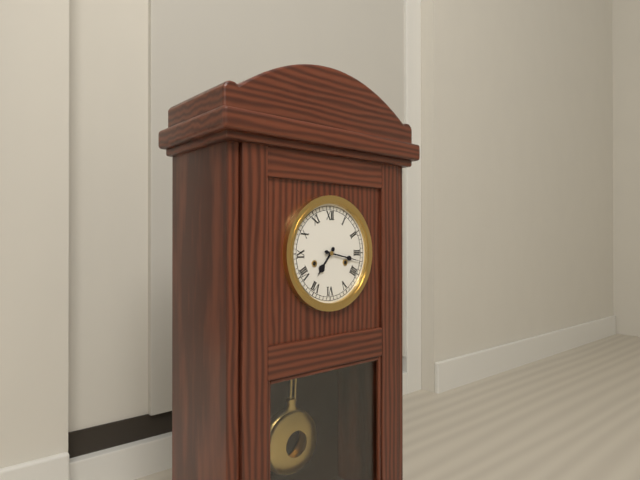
7:17
